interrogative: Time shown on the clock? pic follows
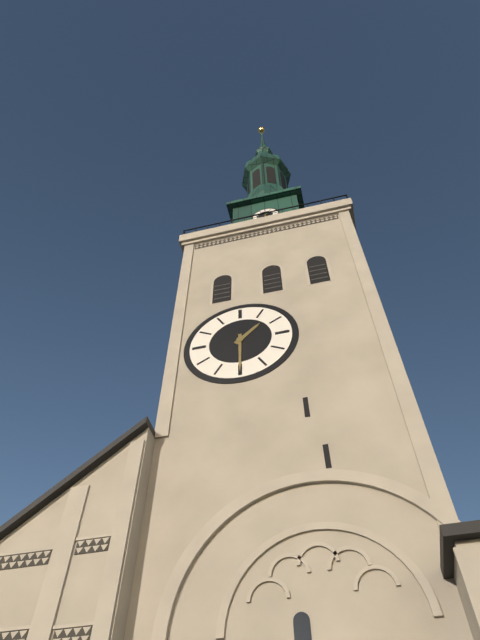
1:30
